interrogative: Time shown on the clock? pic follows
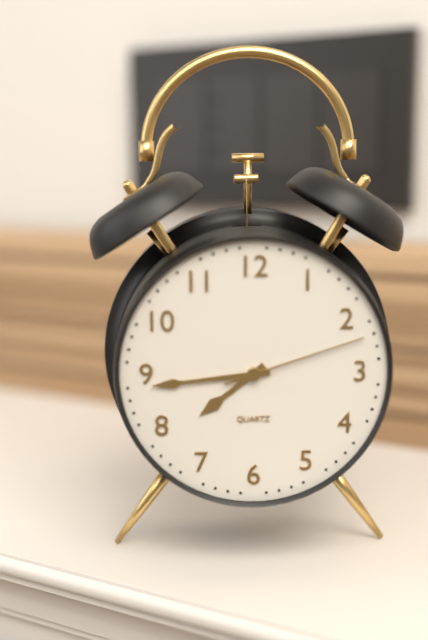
7:44:12
